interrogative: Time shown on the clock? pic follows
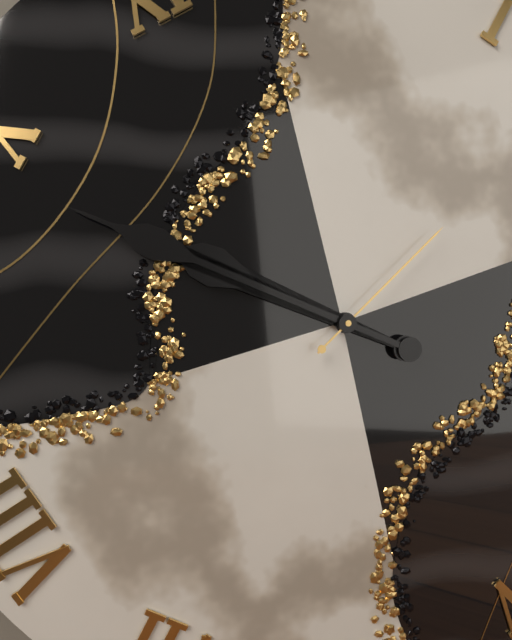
9:49:08
